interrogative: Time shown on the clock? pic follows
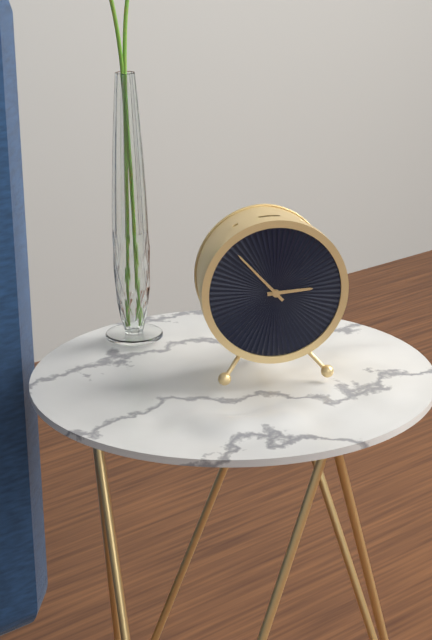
2:53
